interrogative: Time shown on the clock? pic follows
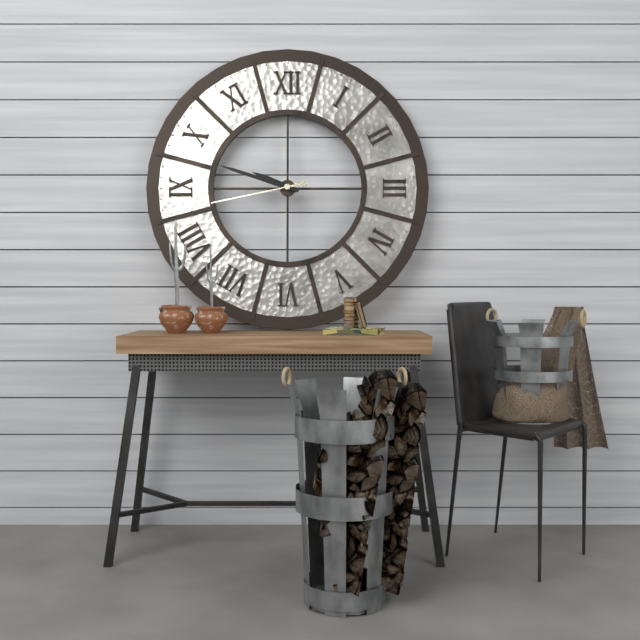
9:48:43
